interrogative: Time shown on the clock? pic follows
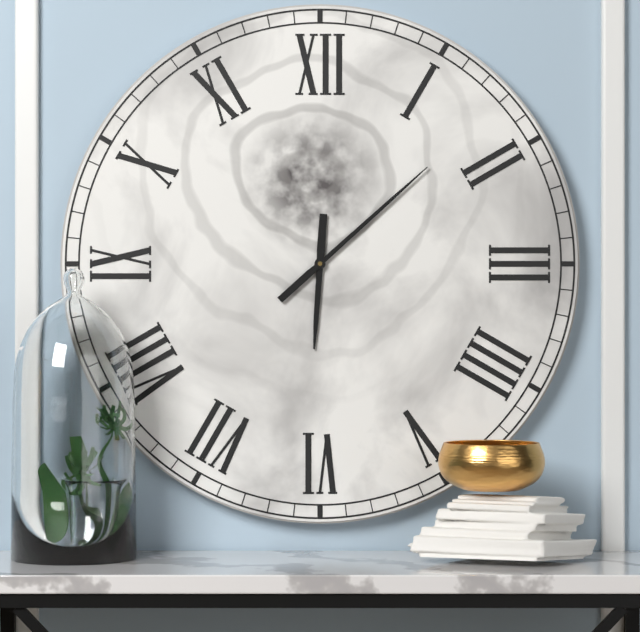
6:08
